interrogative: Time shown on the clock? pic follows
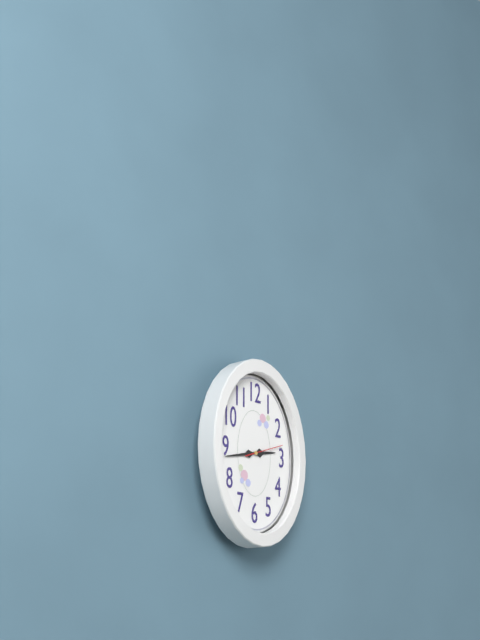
2:43
